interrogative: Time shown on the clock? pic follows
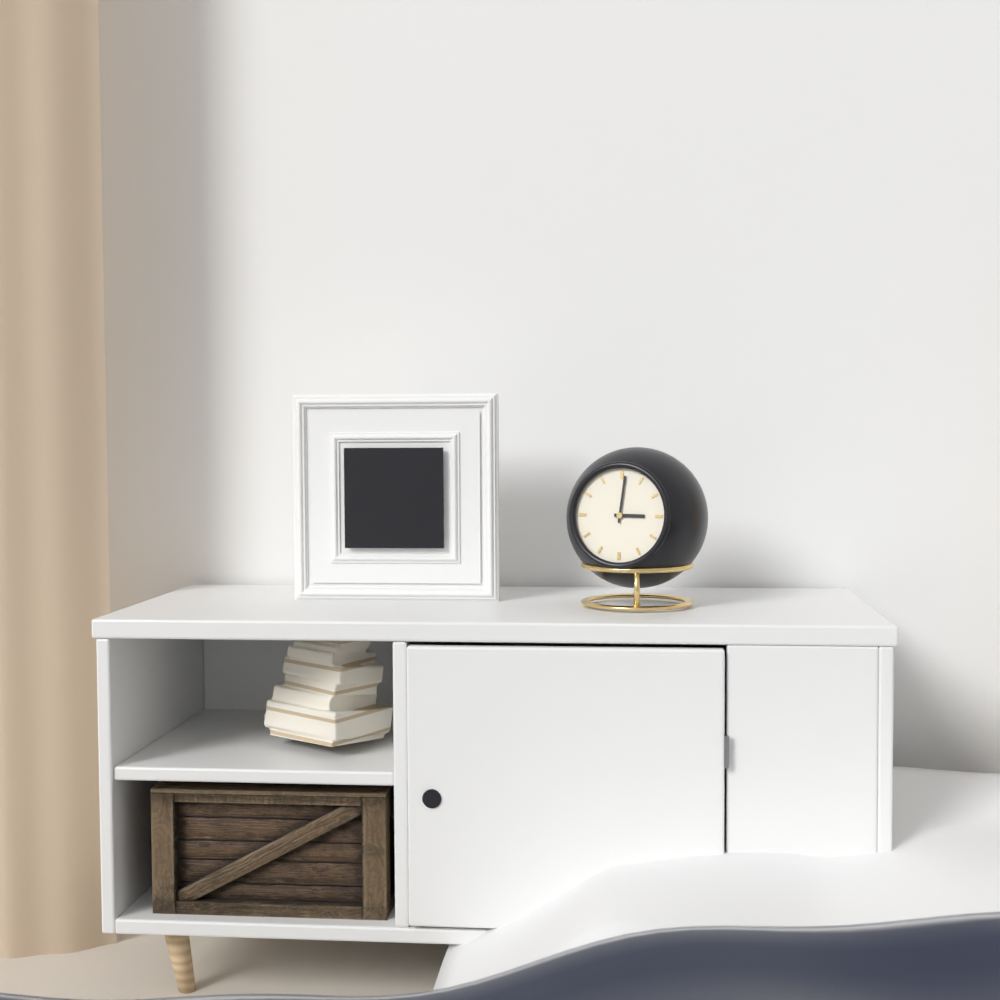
3:01
